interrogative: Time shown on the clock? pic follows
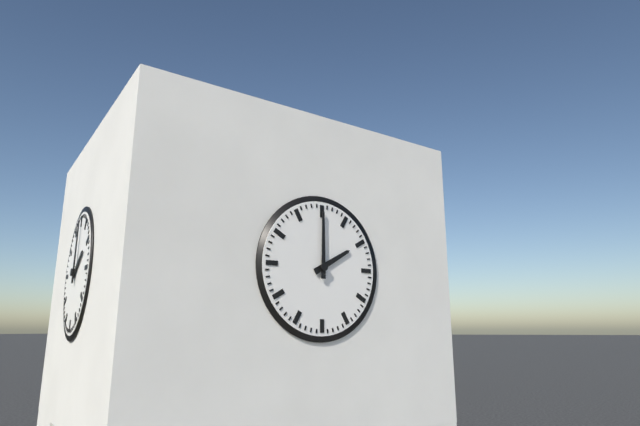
2:00
